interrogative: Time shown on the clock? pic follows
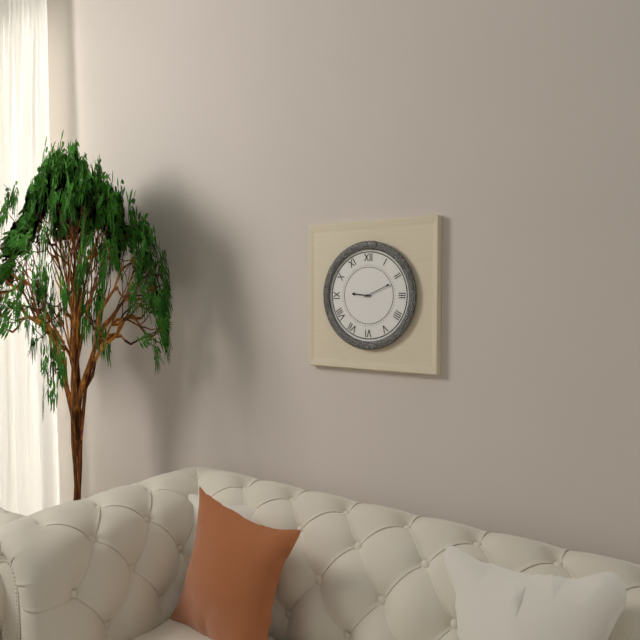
9:11
